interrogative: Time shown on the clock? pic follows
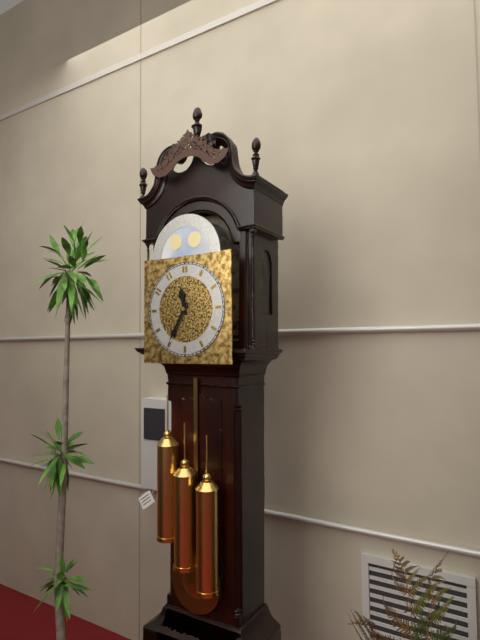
11:35
